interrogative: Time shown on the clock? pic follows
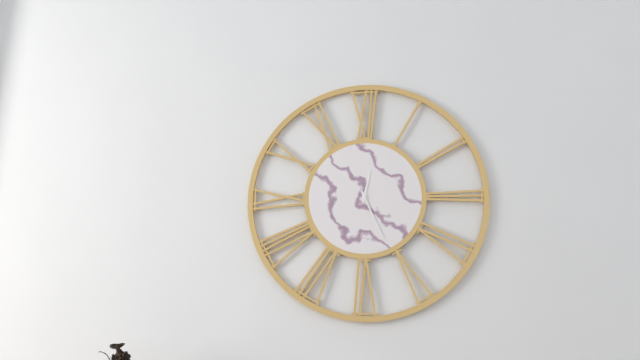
12:26
